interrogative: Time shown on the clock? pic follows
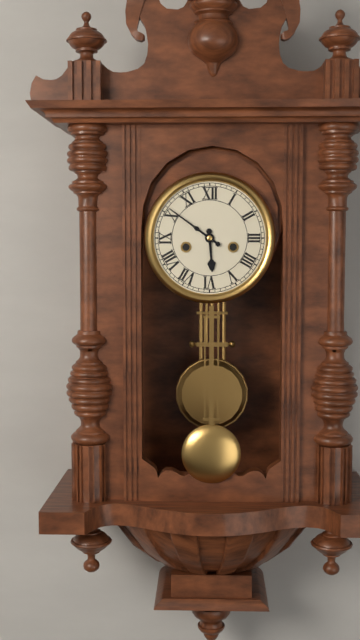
5:51
